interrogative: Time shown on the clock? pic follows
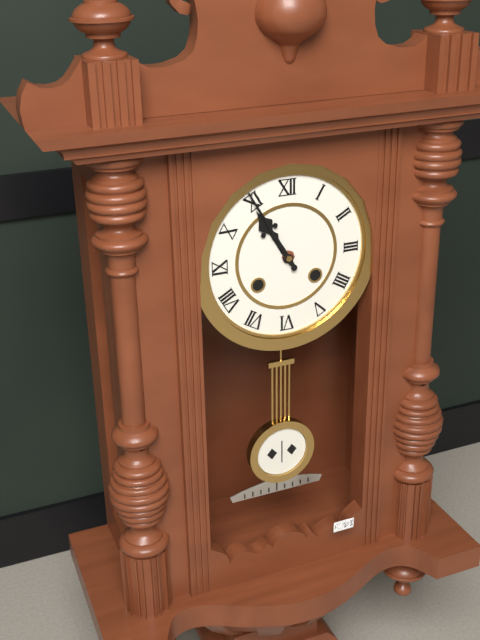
10:55
